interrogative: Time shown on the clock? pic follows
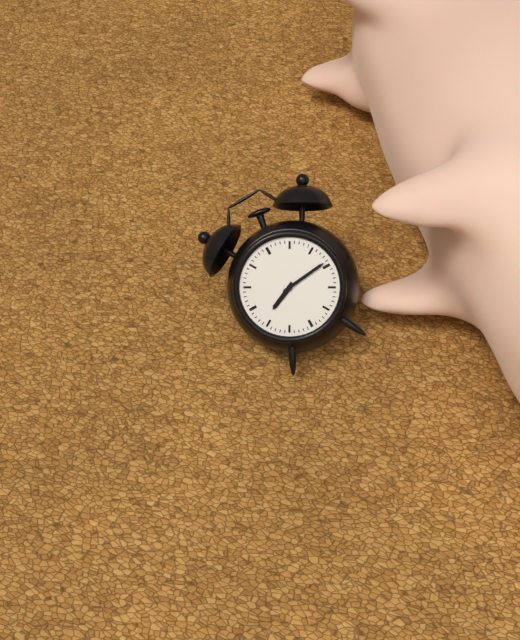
8:14
